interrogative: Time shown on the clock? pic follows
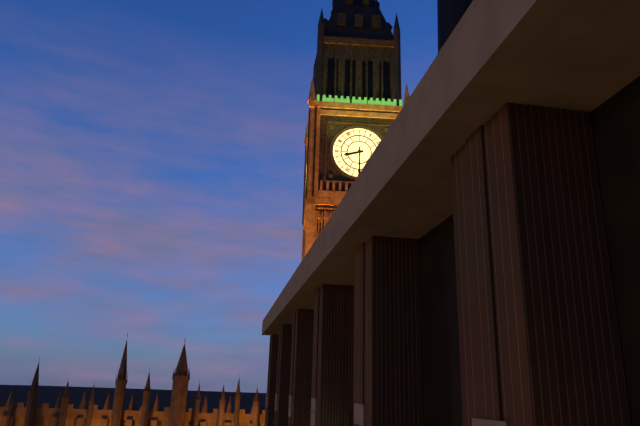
8:30
